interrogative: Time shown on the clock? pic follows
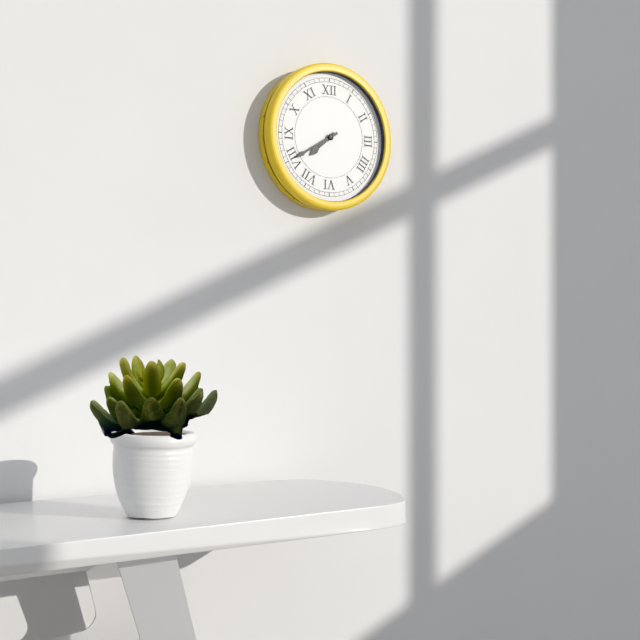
7:40
